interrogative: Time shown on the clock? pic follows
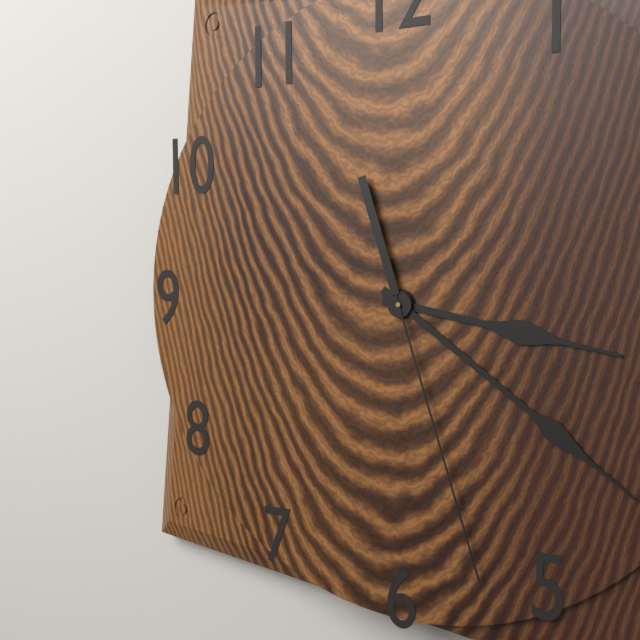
3:21:27
